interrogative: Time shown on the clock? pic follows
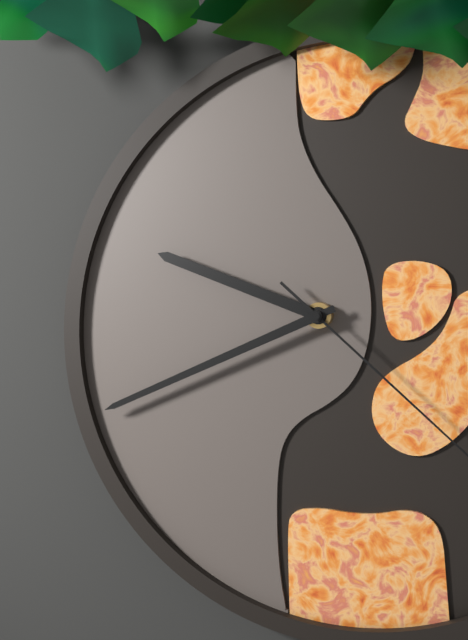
9:41
